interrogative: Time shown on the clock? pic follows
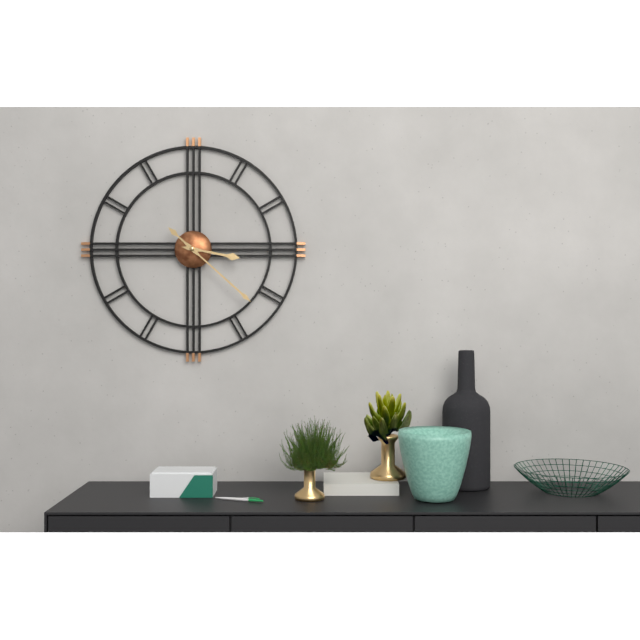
3:22
